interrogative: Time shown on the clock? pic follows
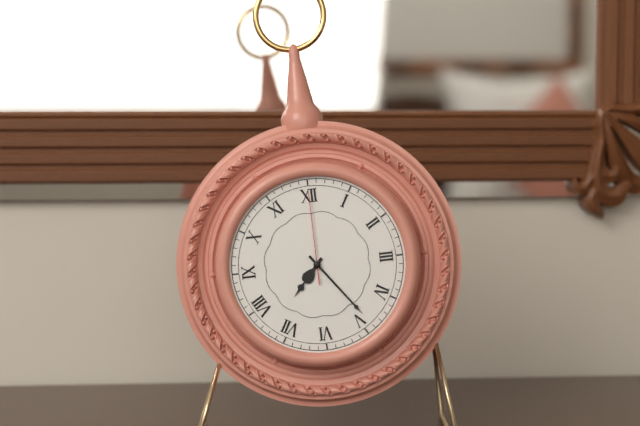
7:24:00
